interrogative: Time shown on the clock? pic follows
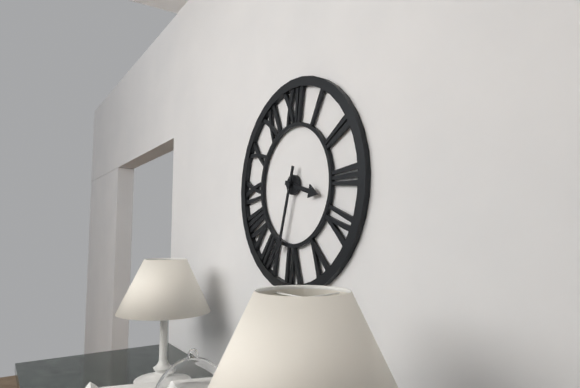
3:33
